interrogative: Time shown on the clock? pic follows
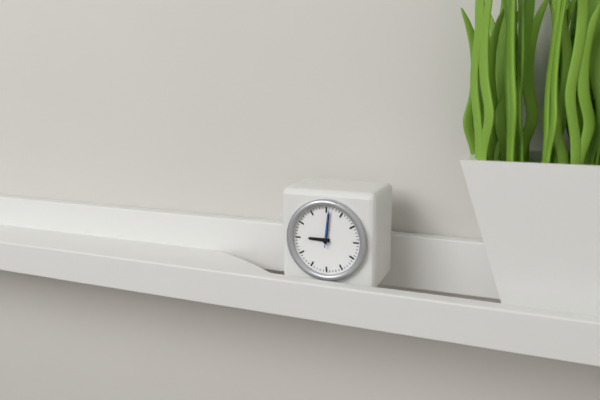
9:01
